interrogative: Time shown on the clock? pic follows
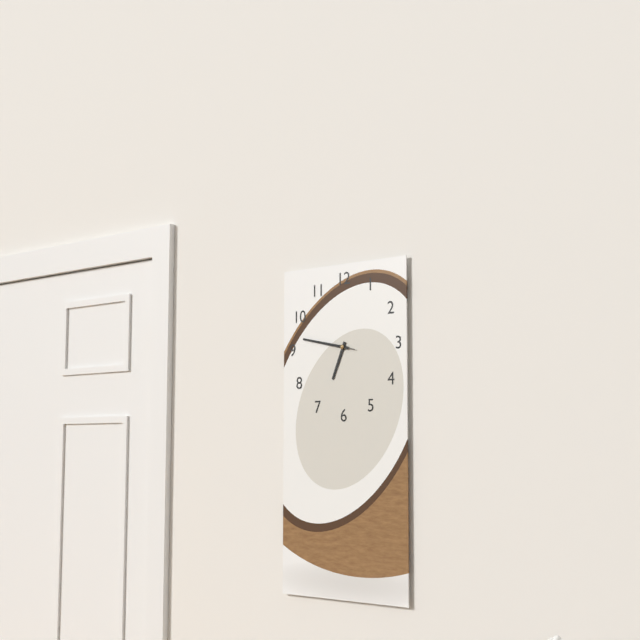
6:47
